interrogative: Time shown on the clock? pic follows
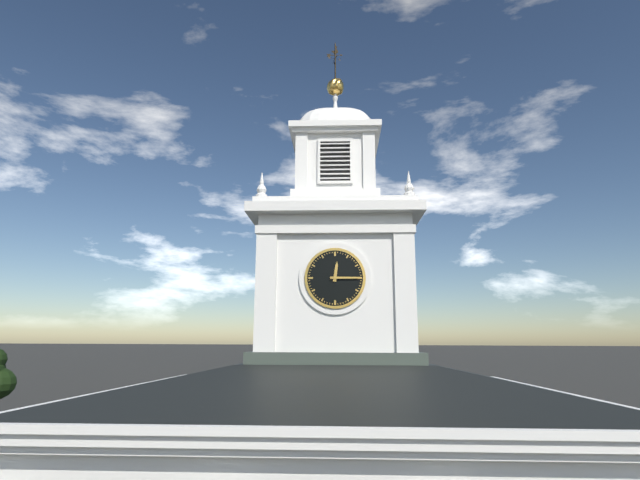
12:15
